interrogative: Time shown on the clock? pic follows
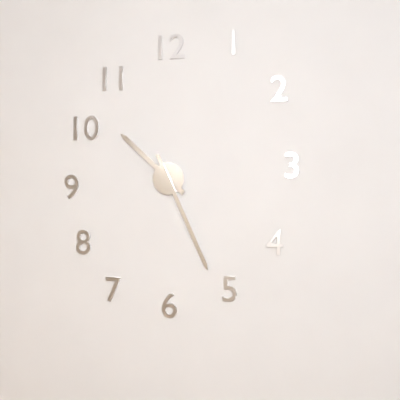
10:26
